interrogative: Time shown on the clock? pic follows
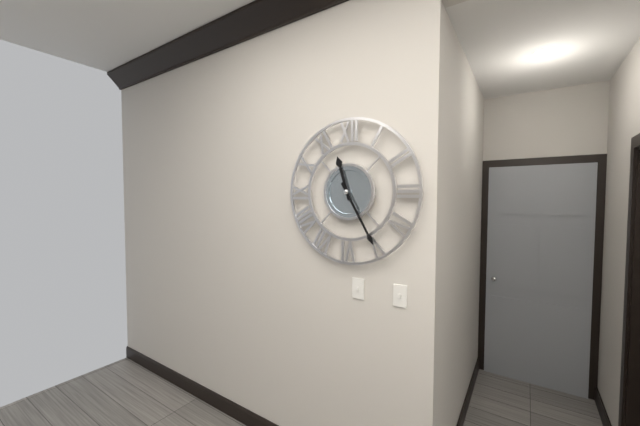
11:25
